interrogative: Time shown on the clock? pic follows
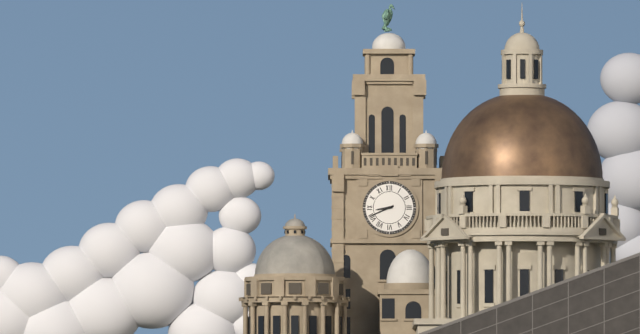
8:41
